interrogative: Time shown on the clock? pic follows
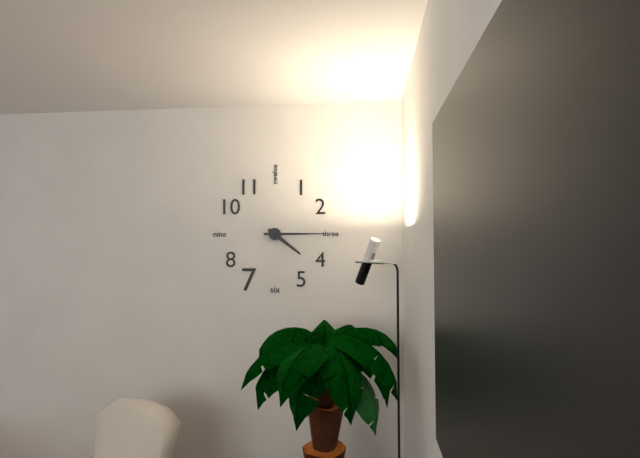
4:15
